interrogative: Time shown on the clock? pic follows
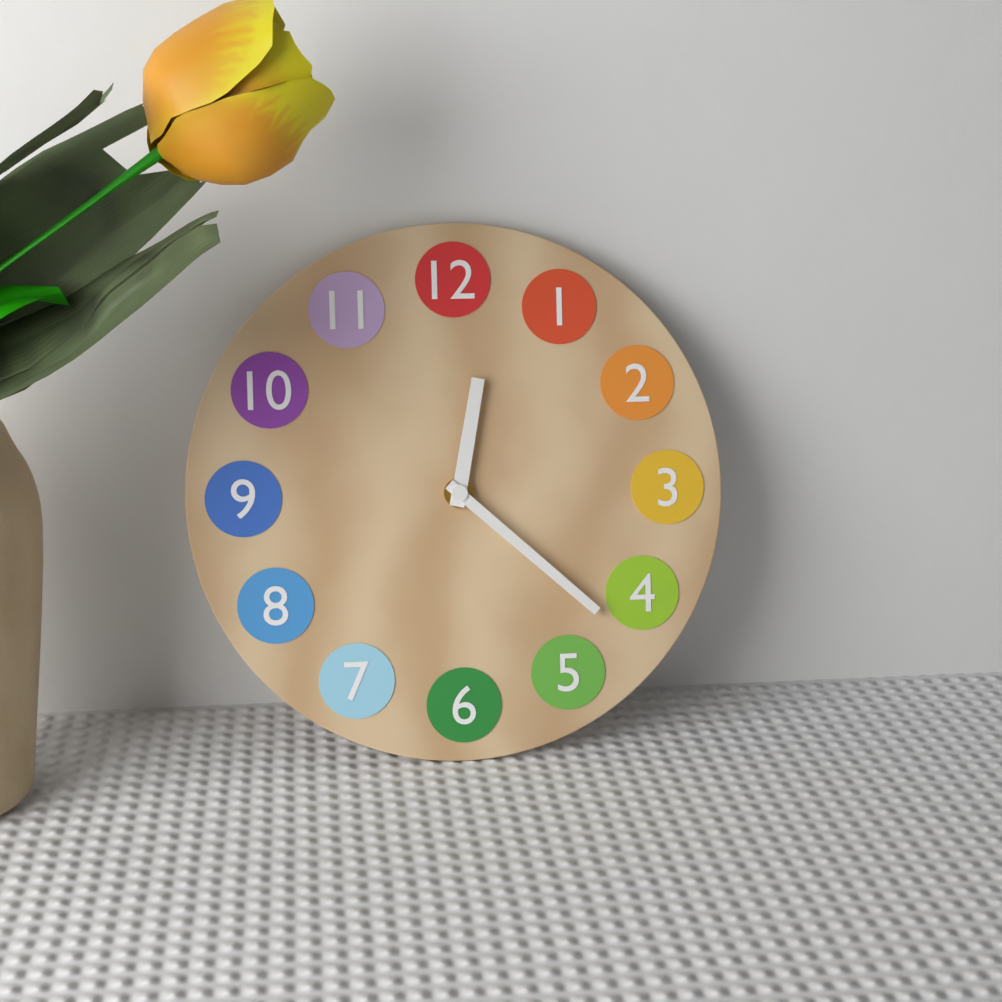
12:22
